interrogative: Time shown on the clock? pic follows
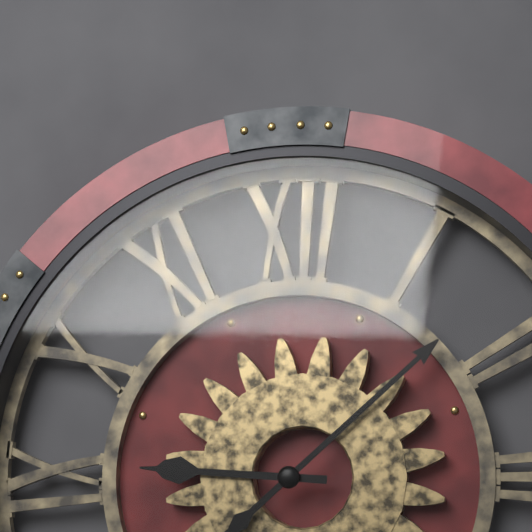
9:08
